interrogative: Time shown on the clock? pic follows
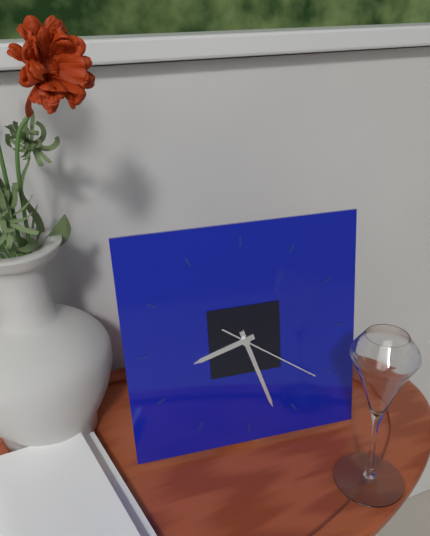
8:27:21
